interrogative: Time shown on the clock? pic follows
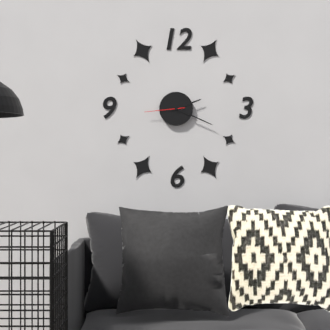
2:19
